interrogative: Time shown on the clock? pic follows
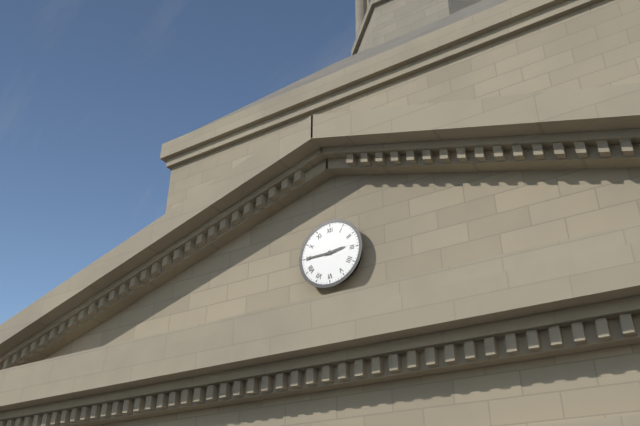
2:45
